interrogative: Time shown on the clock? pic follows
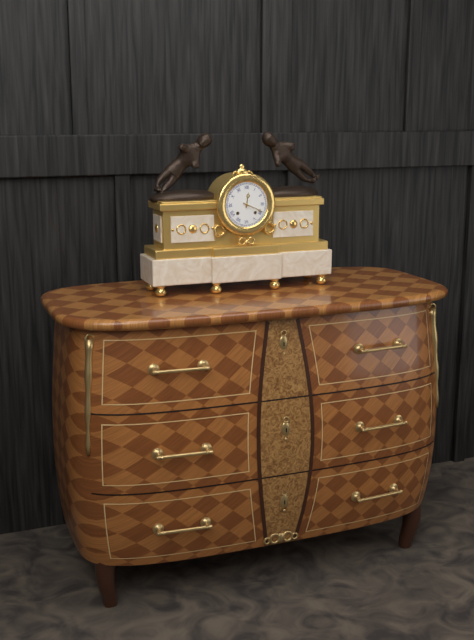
12:19
